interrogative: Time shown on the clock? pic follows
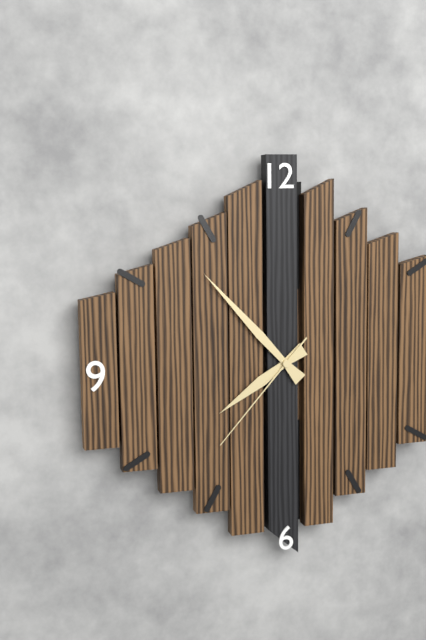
7:53:37
